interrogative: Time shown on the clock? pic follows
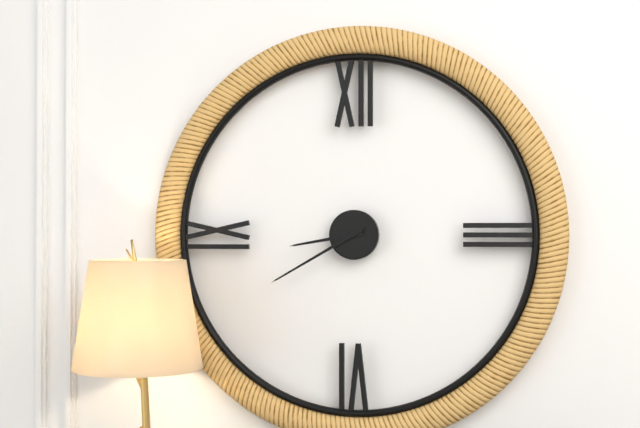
8:40
